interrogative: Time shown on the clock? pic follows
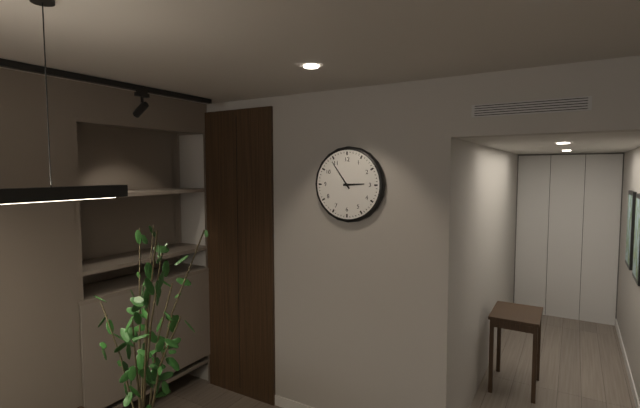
2:54
